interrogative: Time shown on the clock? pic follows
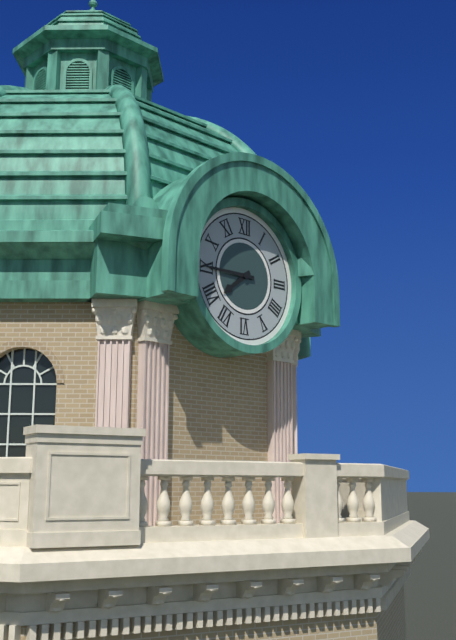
7:45
